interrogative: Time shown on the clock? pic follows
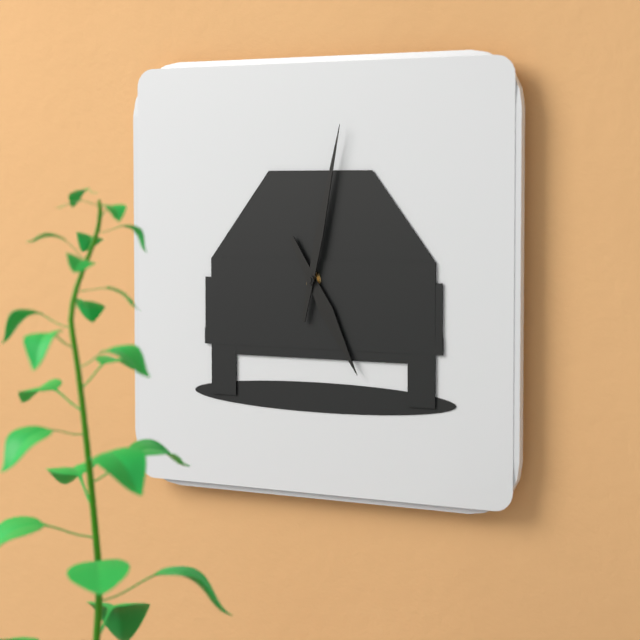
5:02
